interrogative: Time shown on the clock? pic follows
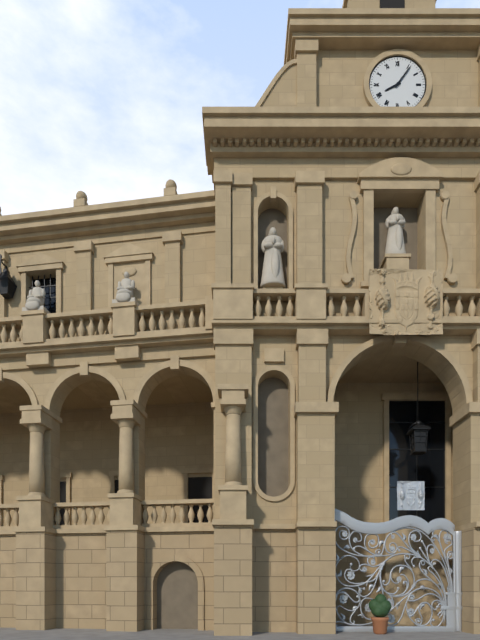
8:06
